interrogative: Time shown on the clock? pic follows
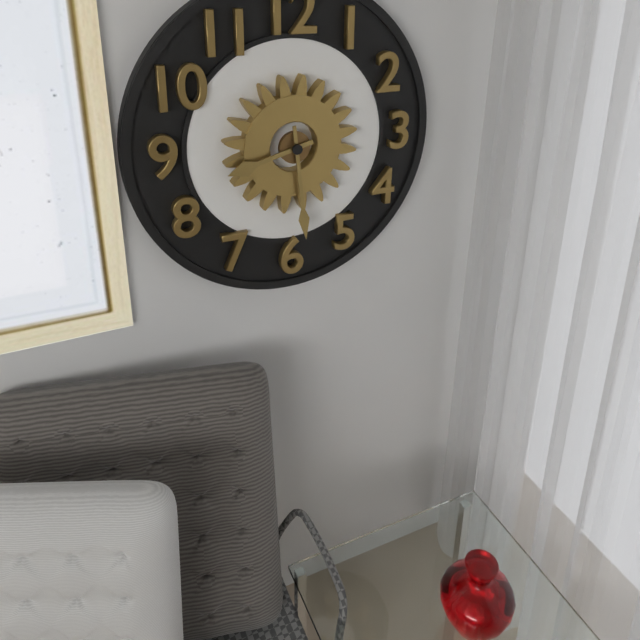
8:29
